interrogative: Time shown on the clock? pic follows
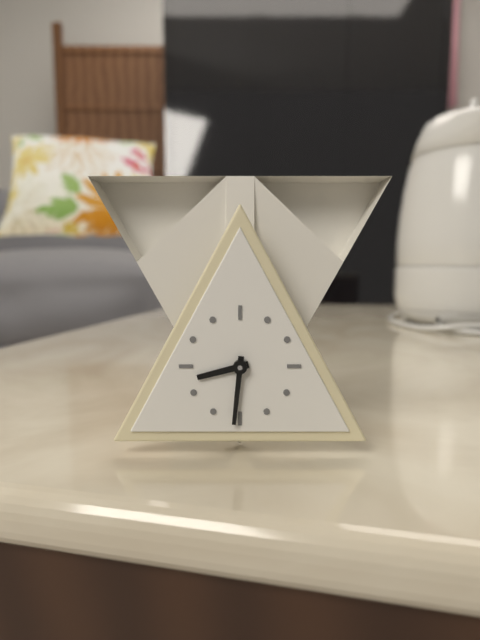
8:31
